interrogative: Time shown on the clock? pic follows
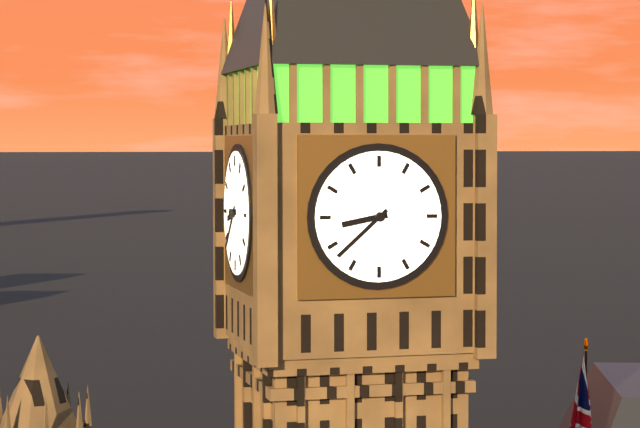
8:38
